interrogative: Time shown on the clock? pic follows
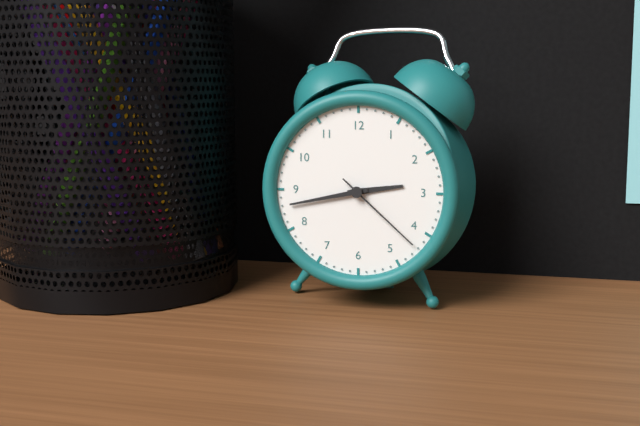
2:43:22
